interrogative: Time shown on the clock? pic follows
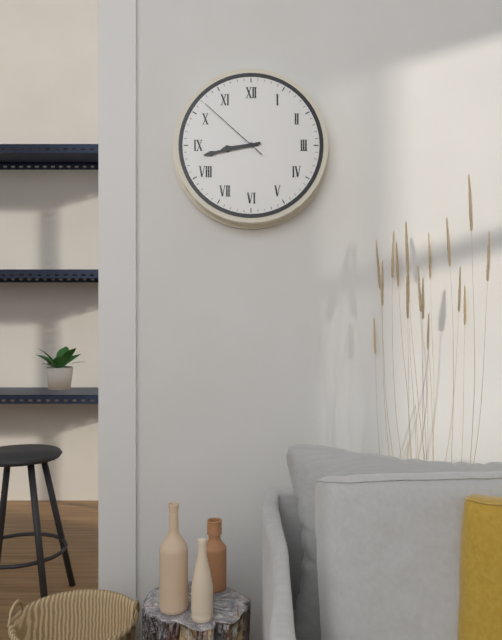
8:43:52
